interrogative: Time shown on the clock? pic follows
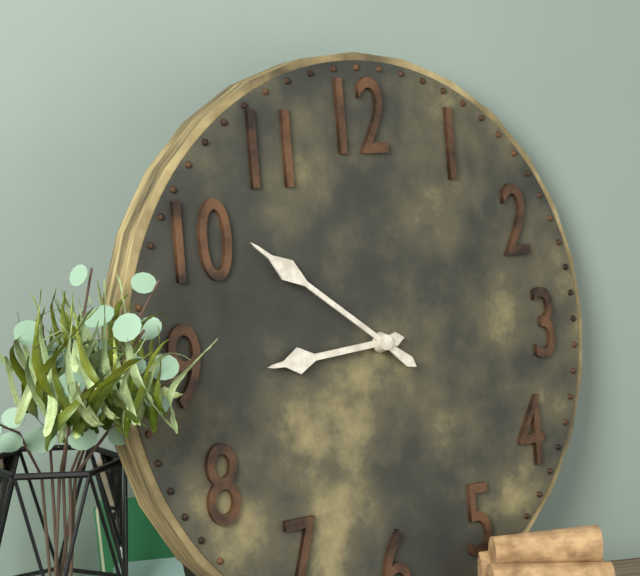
8:51
